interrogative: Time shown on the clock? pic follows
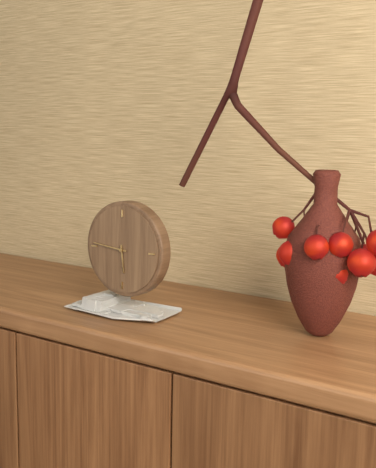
5:46
